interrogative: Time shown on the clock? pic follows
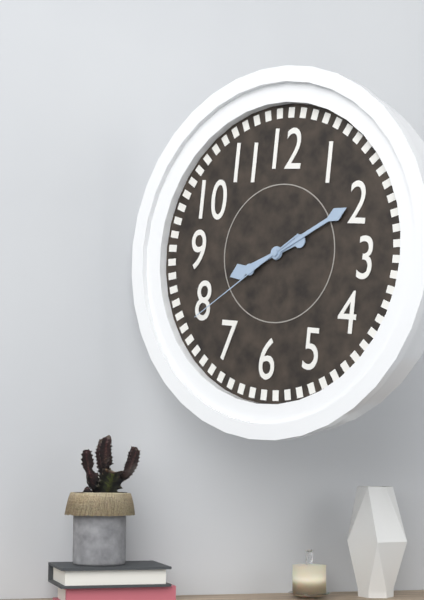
8:10:39
